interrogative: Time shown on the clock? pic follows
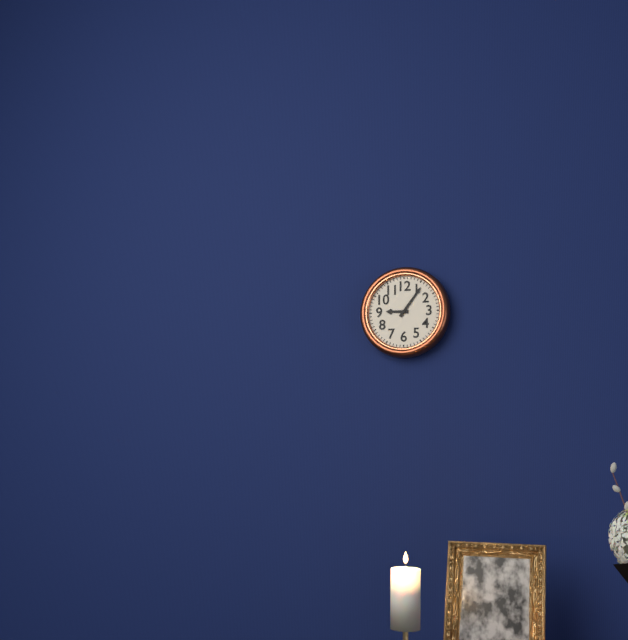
9:06
